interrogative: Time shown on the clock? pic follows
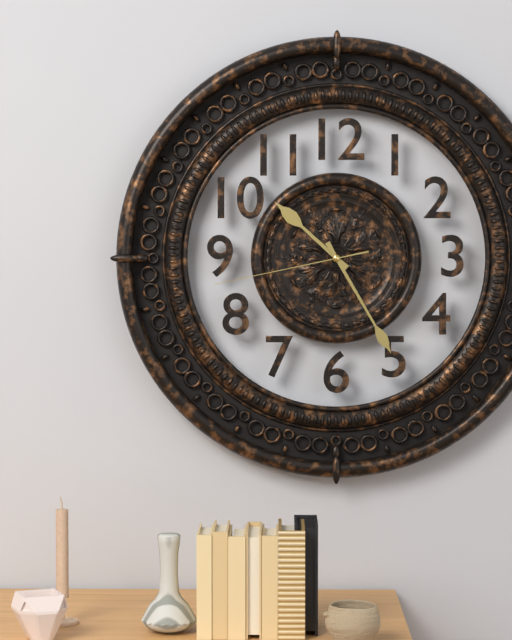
10:25:43
